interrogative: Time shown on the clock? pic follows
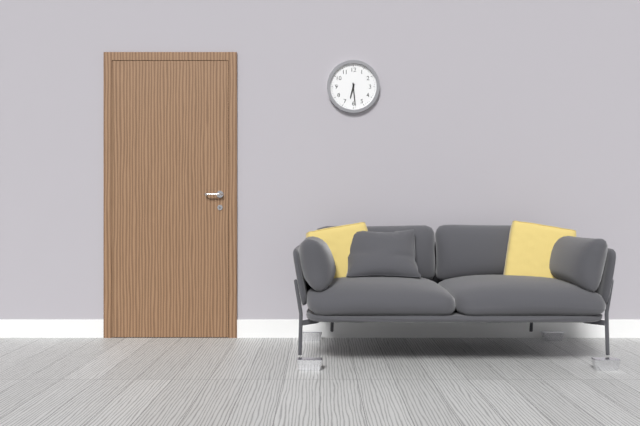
6:29
